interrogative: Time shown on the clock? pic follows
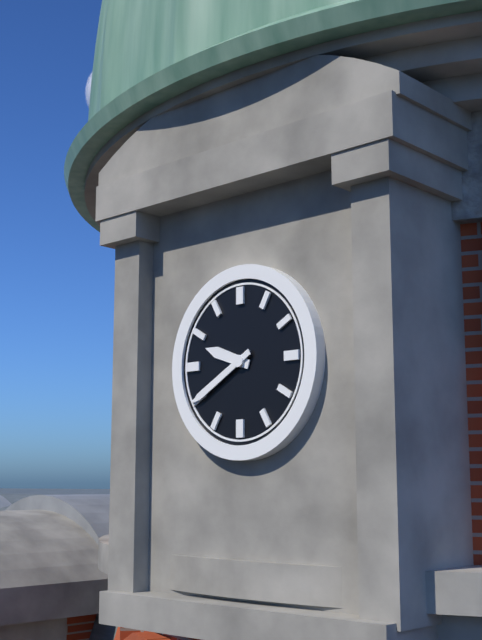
9:40
